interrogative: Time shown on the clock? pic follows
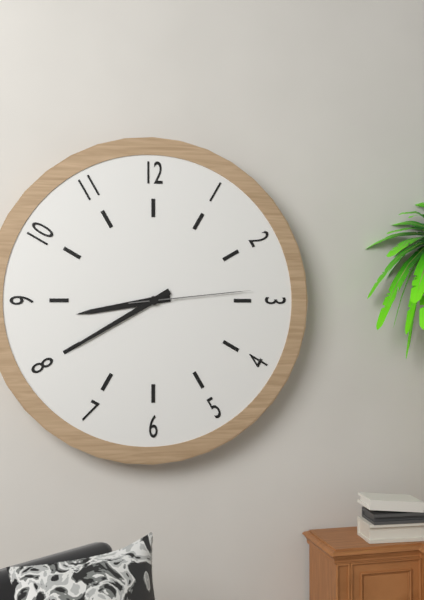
8:40:14
